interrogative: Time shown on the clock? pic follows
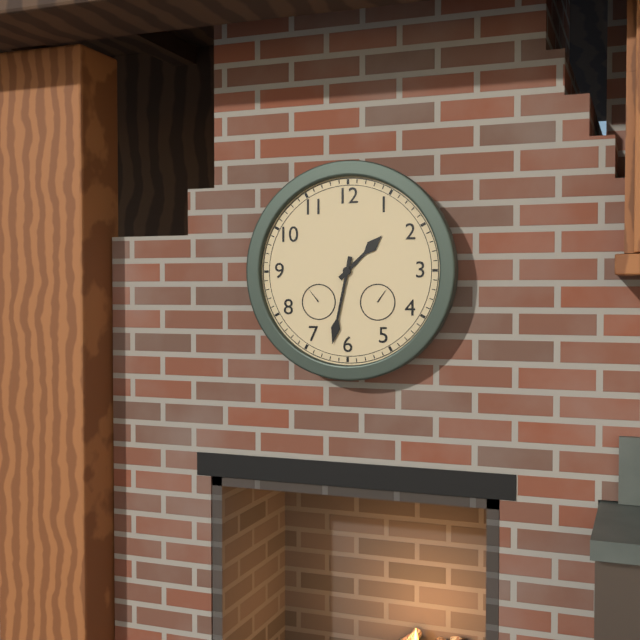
1:32
